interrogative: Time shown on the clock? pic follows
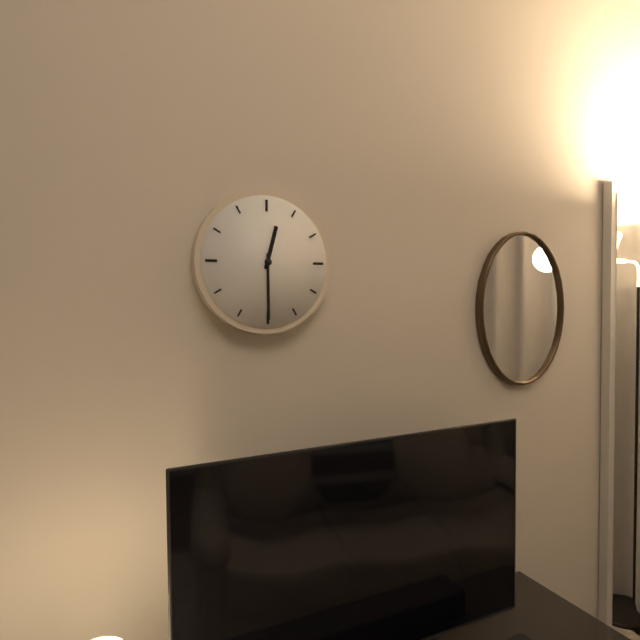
12:30
